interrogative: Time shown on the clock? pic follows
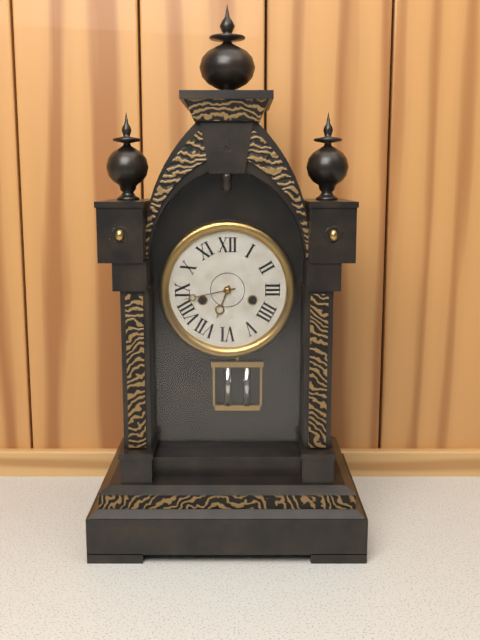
6:43
